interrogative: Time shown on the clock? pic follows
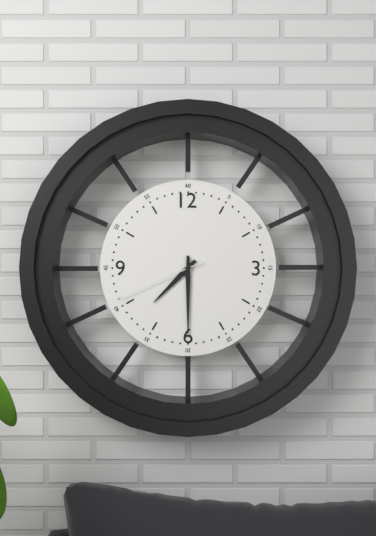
7:30:41
